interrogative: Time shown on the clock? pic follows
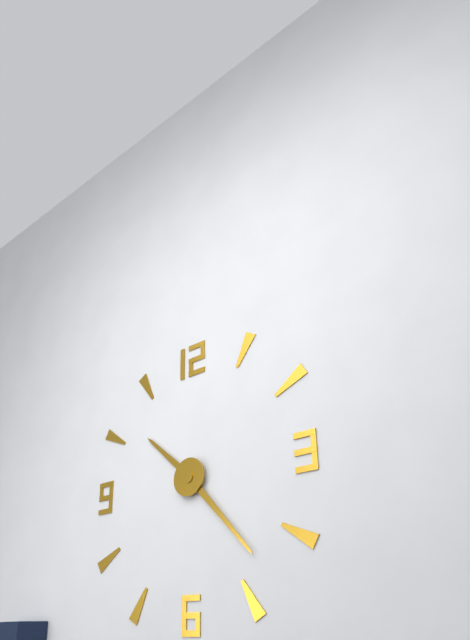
10:23
